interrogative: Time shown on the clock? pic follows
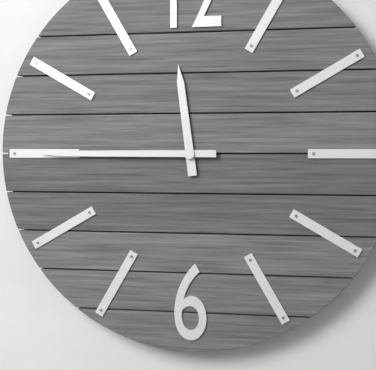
11:45
